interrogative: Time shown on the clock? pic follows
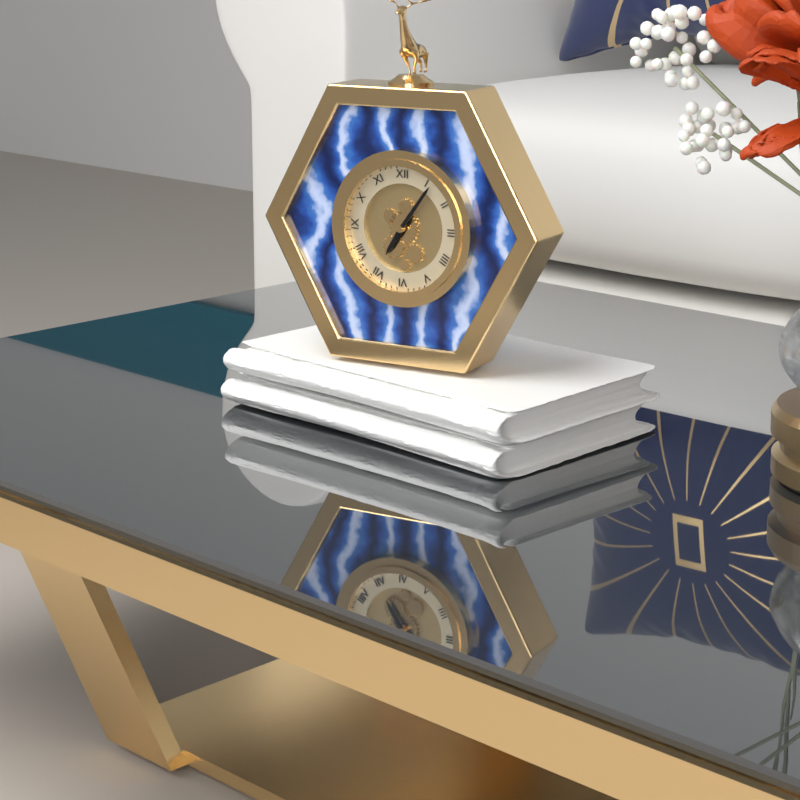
7:06
